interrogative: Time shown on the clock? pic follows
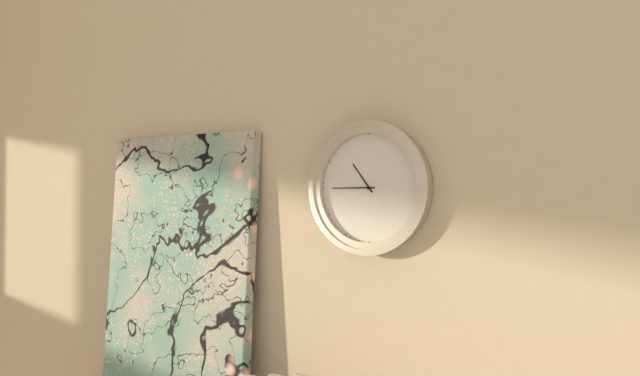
10:45
